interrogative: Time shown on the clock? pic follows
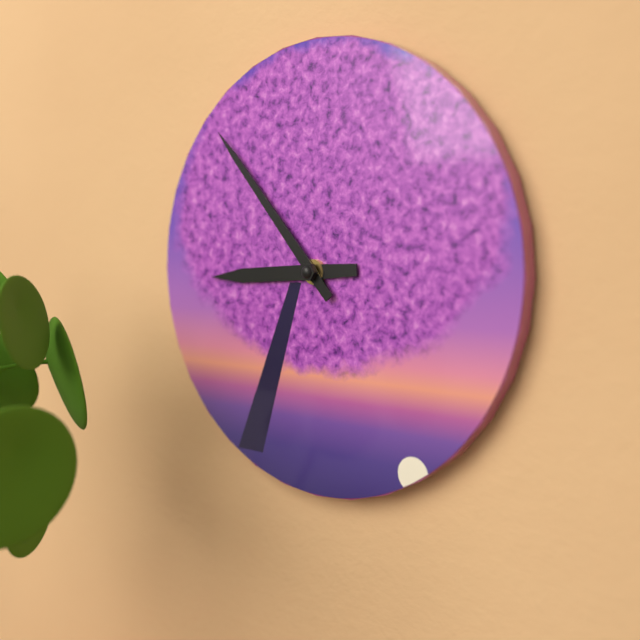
8:53
